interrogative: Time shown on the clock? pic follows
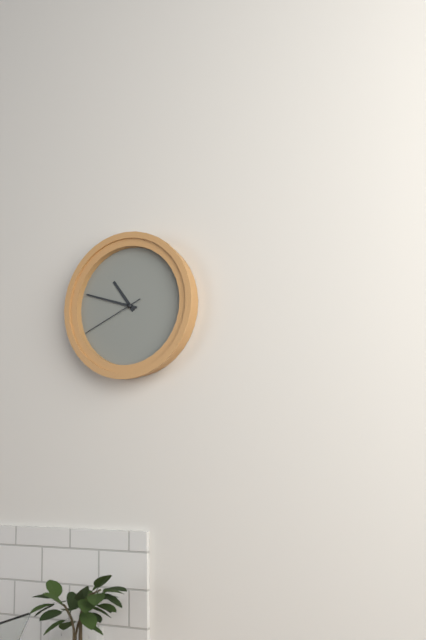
10:48:41
